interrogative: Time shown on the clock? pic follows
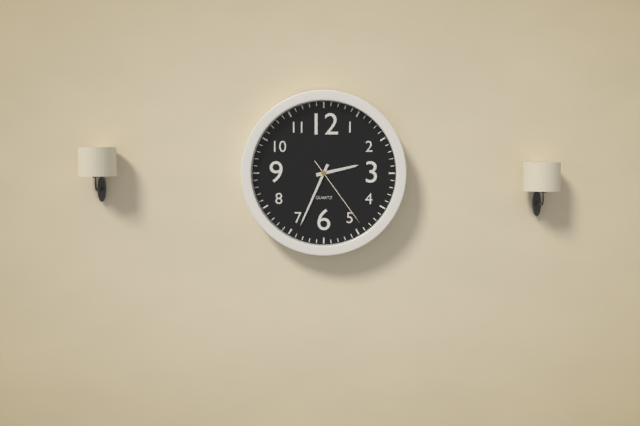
2:34:24
